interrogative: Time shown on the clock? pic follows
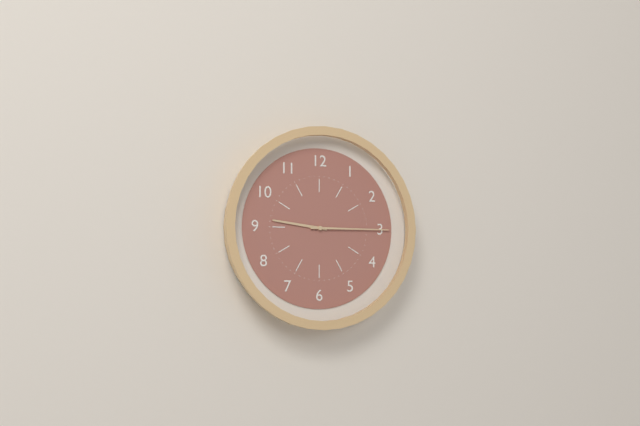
9:15
